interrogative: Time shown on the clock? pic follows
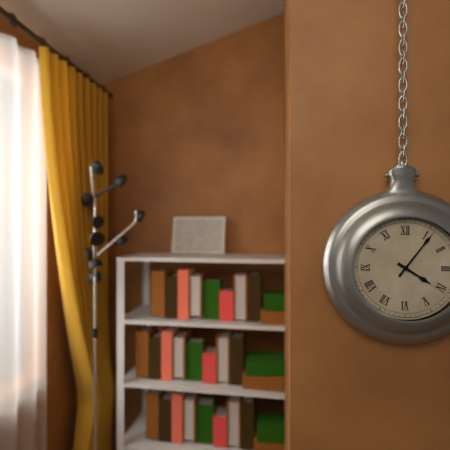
4:06
